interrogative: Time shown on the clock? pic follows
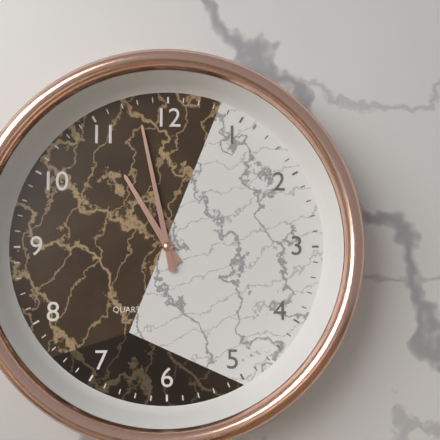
10:58
